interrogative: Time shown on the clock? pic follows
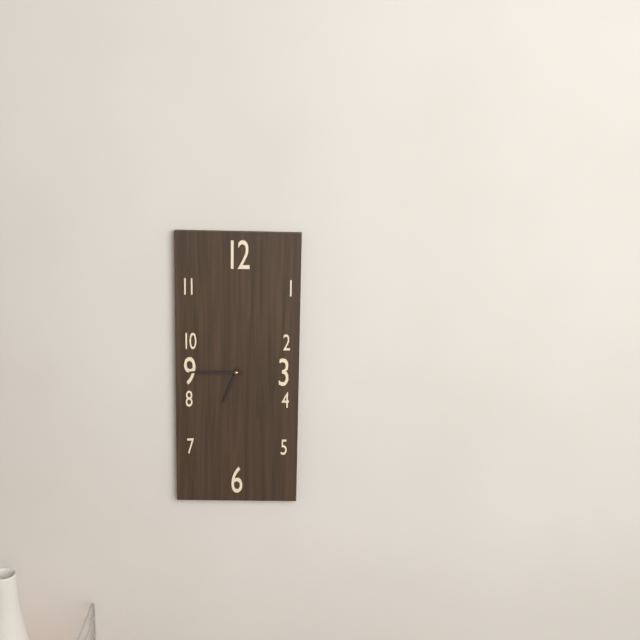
6:45
